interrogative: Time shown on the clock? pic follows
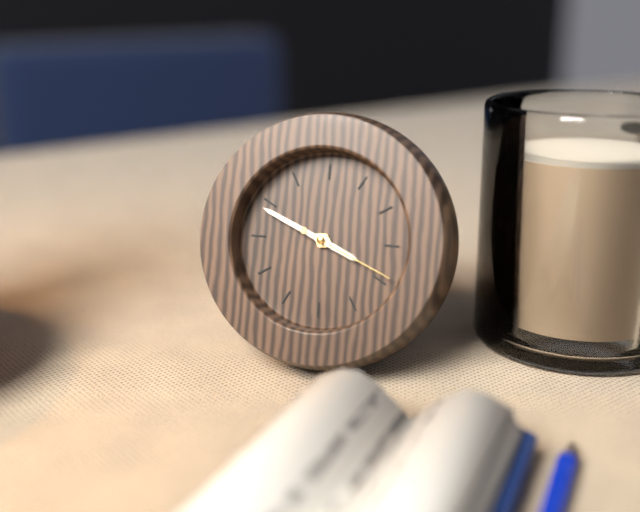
3:49:19
